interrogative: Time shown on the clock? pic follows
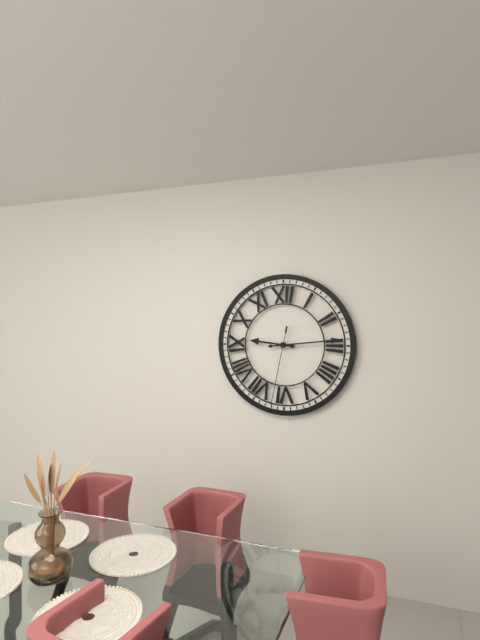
9:14:32
